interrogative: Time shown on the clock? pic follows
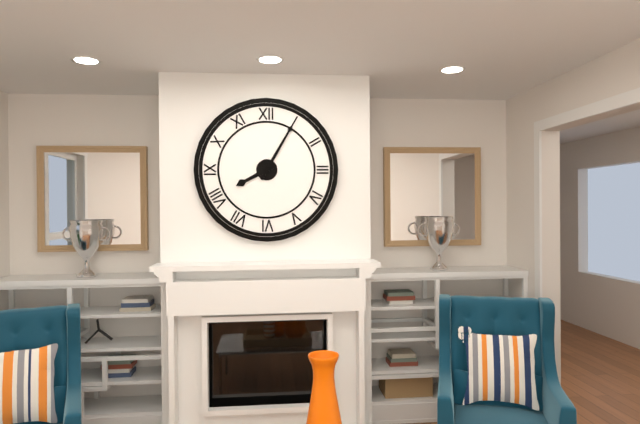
8:05
